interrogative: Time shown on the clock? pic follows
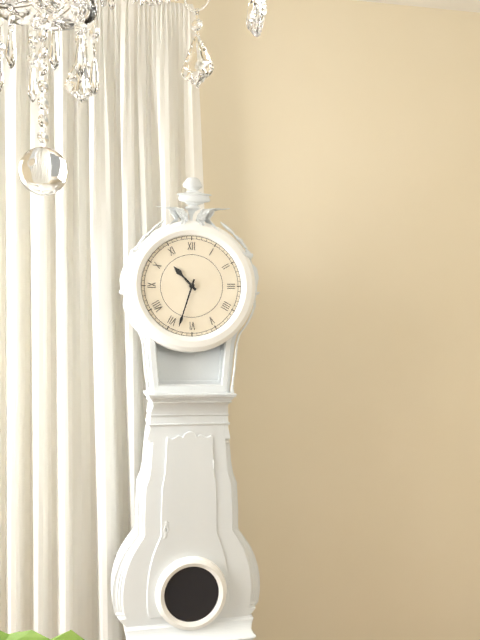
10:33
